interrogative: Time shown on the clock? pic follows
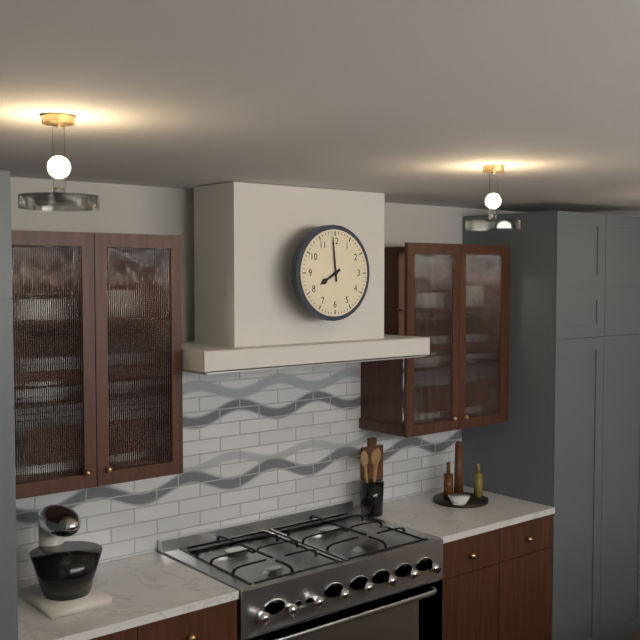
7:59
